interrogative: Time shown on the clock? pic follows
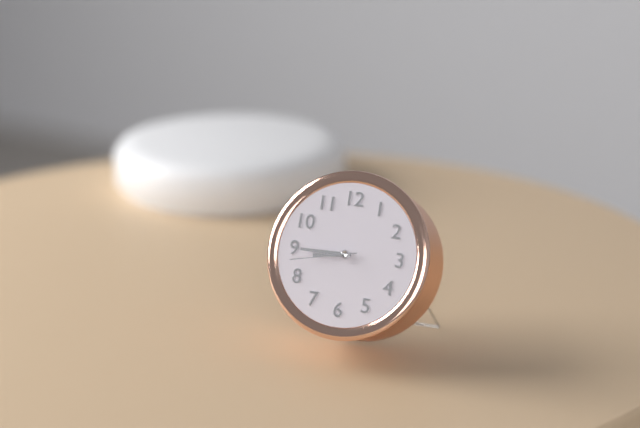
8:45:43
